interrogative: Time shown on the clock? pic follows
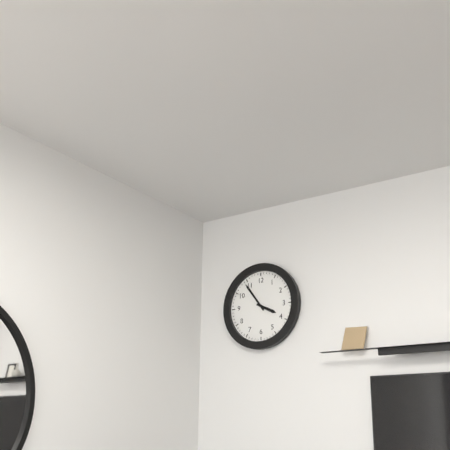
3:54
